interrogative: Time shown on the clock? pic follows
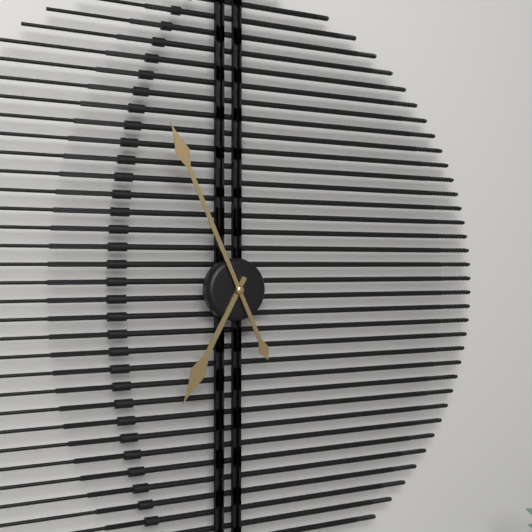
6:56
